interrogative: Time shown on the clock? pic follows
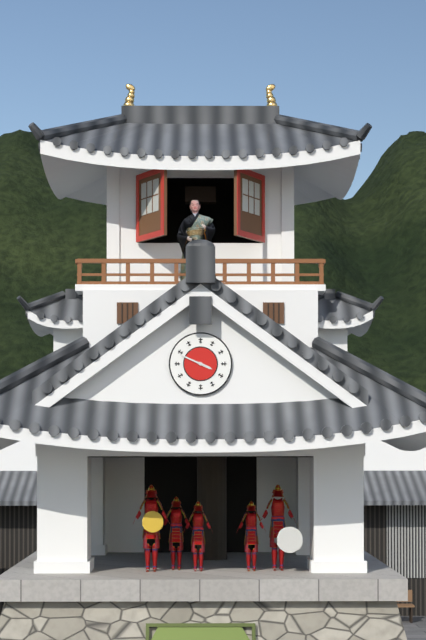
3:49
